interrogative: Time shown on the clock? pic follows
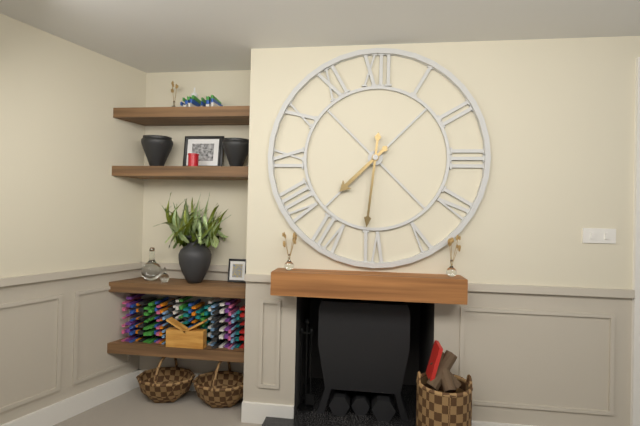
7:31
